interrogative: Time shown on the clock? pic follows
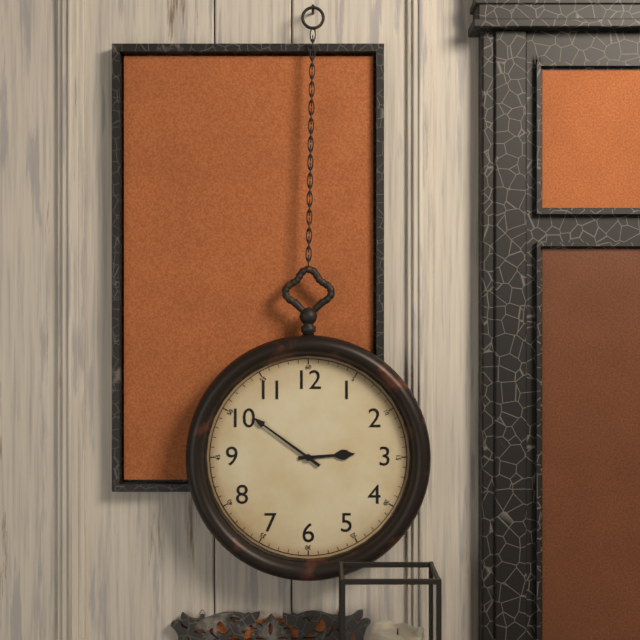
2:51
